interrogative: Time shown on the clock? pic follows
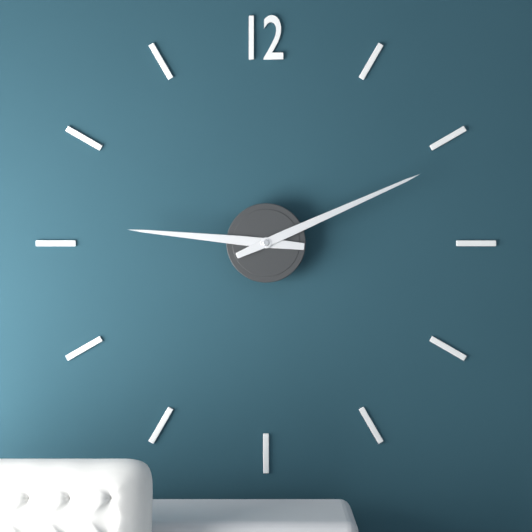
9:11
